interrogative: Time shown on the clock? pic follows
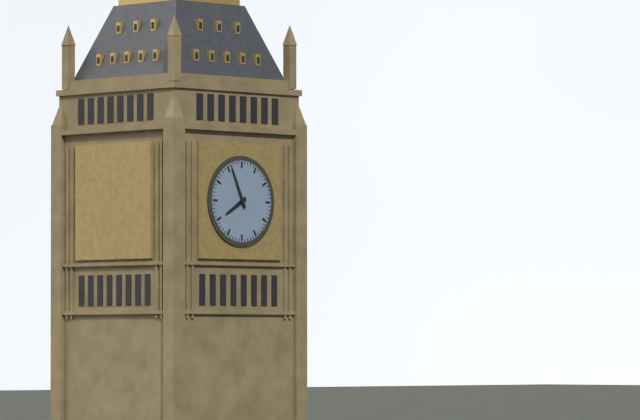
7:56
